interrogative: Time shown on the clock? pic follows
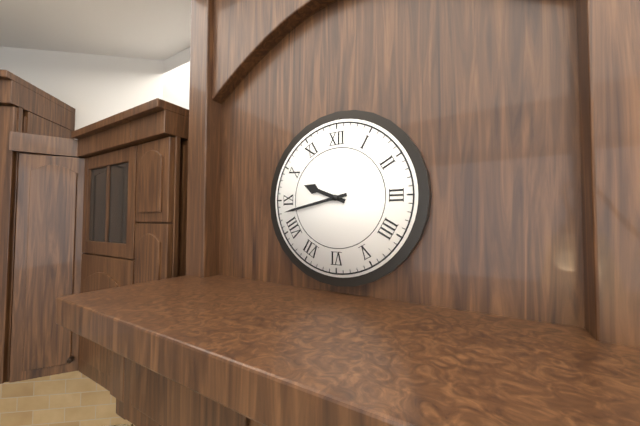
9:43
